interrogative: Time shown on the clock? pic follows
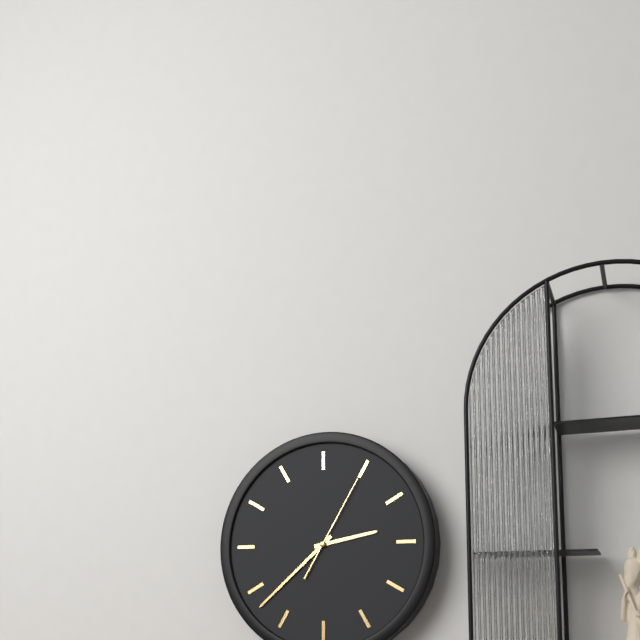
2:38:05
